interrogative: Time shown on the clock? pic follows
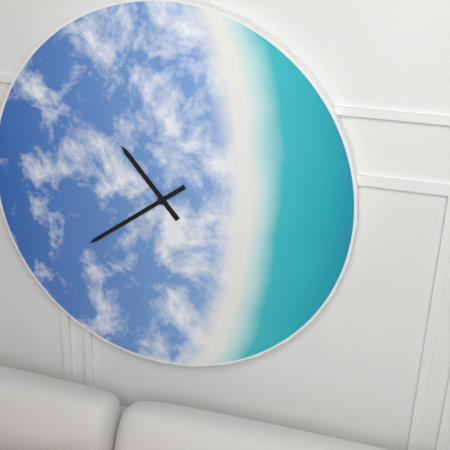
10:39
